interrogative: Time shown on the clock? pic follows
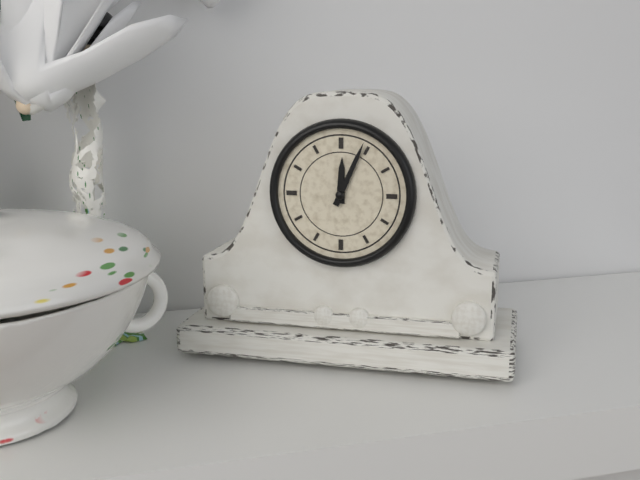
12:04
